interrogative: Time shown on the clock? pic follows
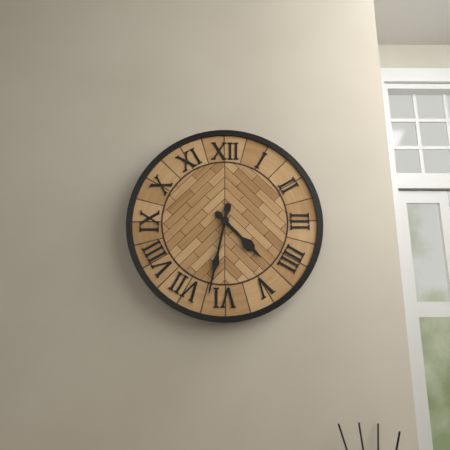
4:32
